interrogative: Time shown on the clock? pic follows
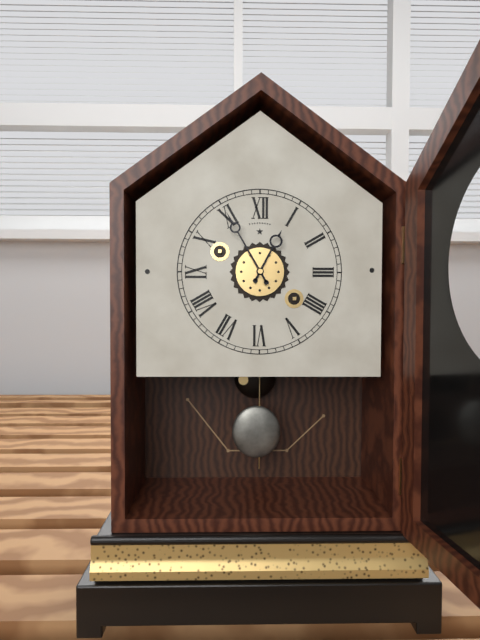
12:55
